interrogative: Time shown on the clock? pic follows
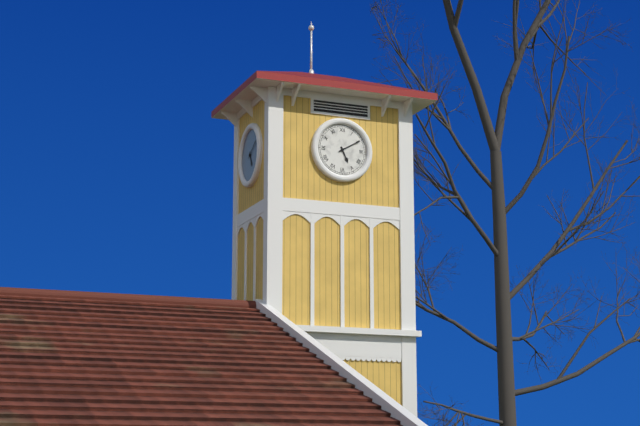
5:10
